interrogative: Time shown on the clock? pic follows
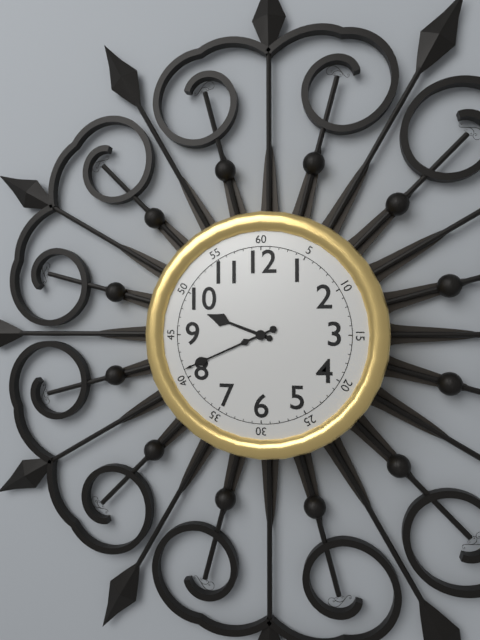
9:41
